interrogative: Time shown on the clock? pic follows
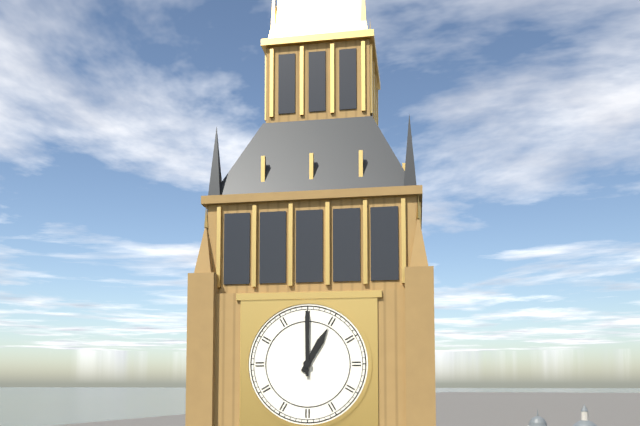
1:00
